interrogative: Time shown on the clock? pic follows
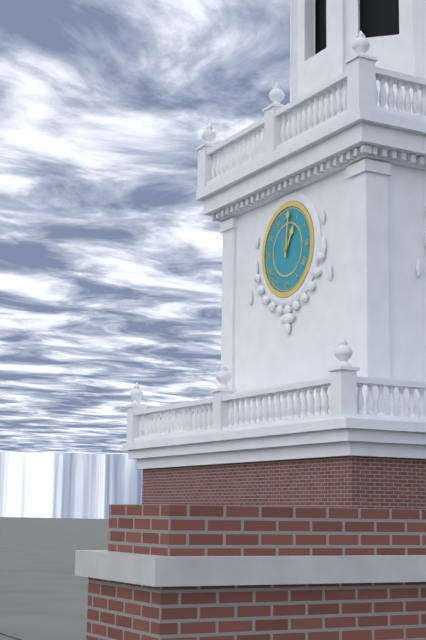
1:01
